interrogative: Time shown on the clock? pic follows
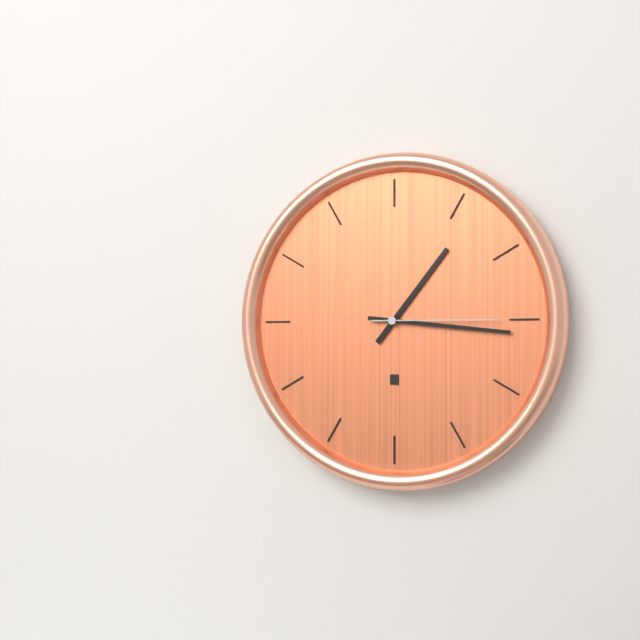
1:16:15
